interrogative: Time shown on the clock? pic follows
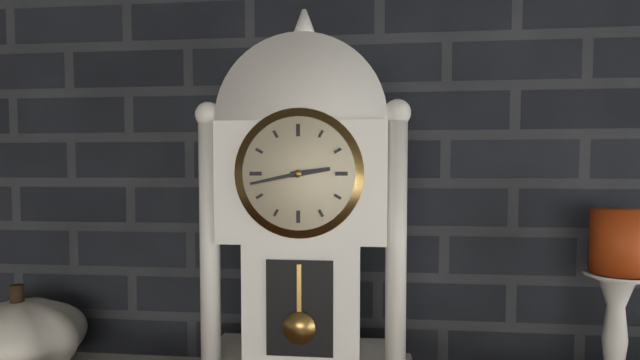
2:43
